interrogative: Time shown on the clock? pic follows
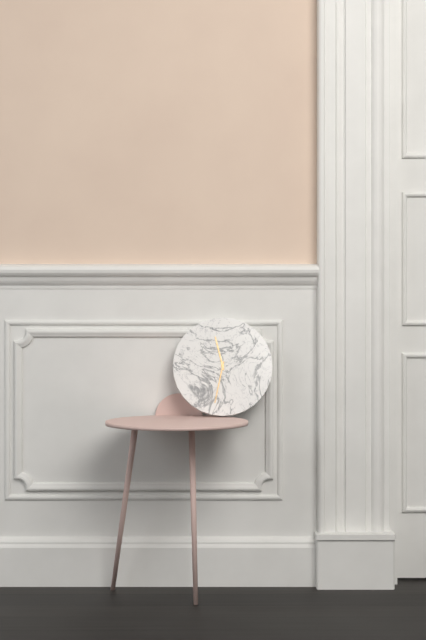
11:32
